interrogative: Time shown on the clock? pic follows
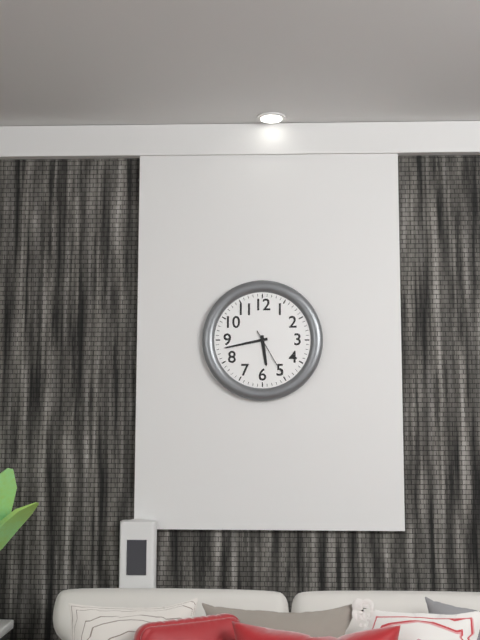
5:43:25
